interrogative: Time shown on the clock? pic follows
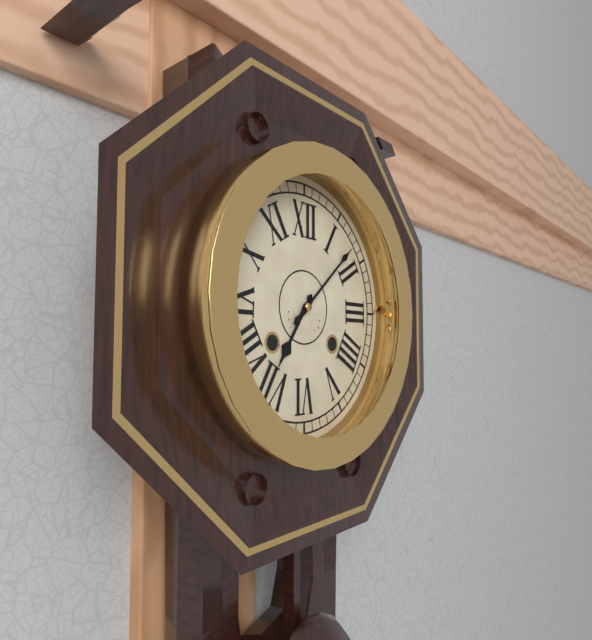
7:08
